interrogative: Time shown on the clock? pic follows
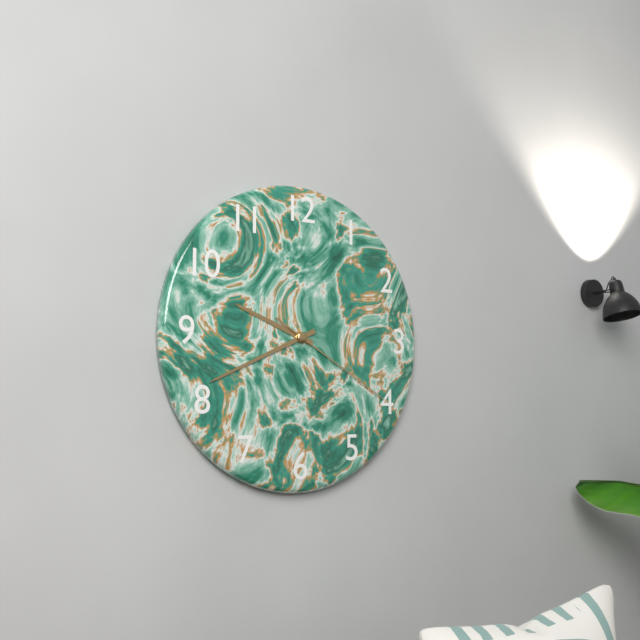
9:41:20
